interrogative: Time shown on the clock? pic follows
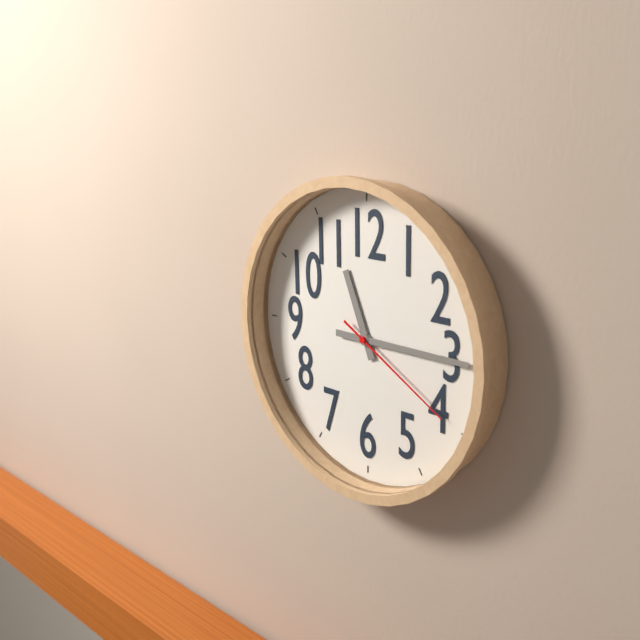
11:15:20
